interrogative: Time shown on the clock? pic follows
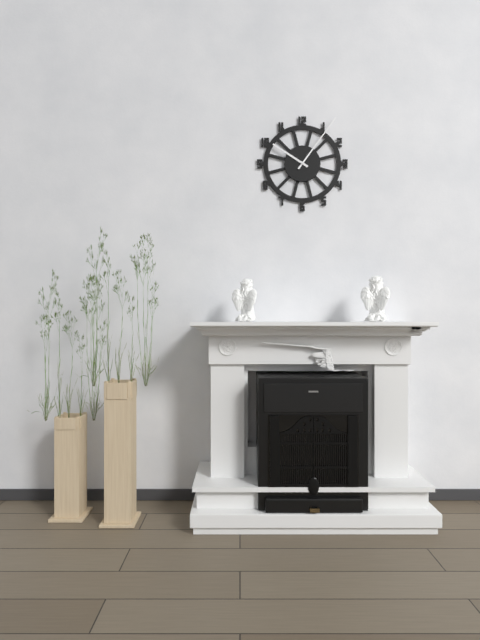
10:06
